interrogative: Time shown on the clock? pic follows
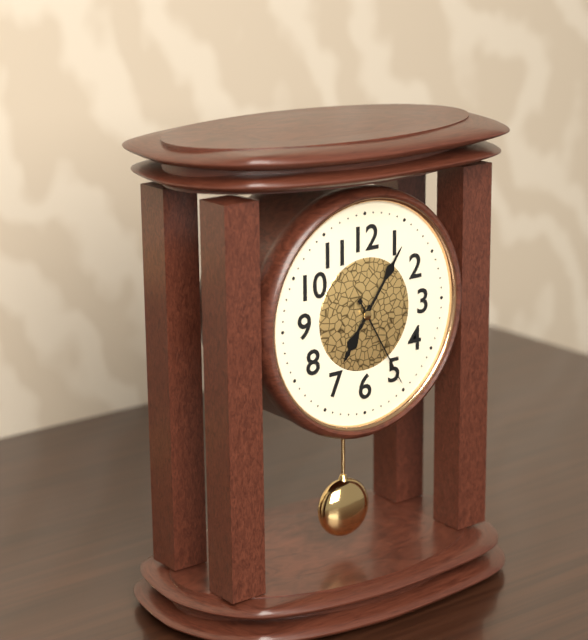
7:06:25
